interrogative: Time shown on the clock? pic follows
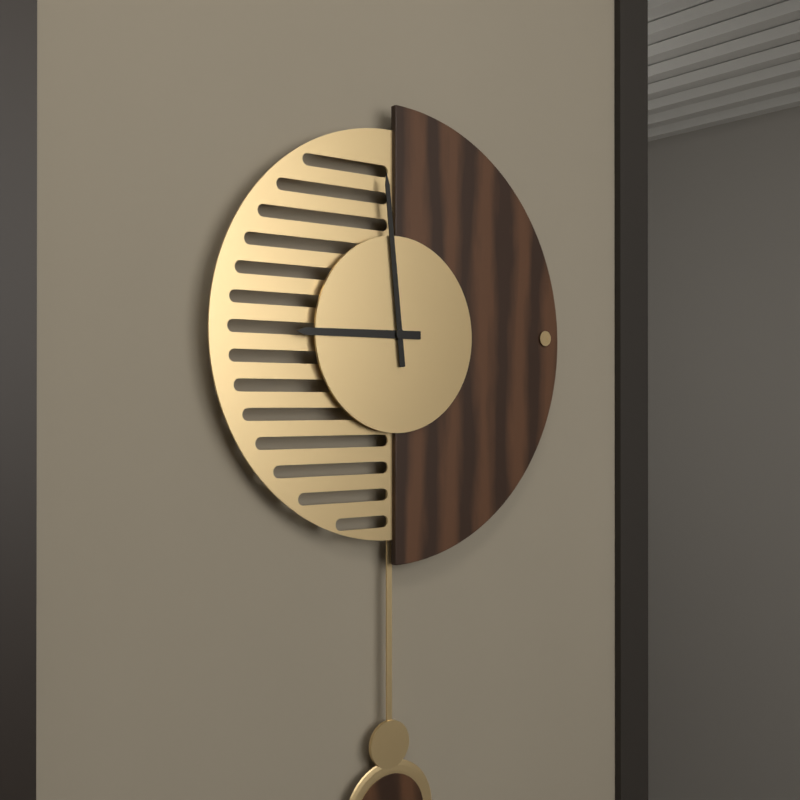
8:59
